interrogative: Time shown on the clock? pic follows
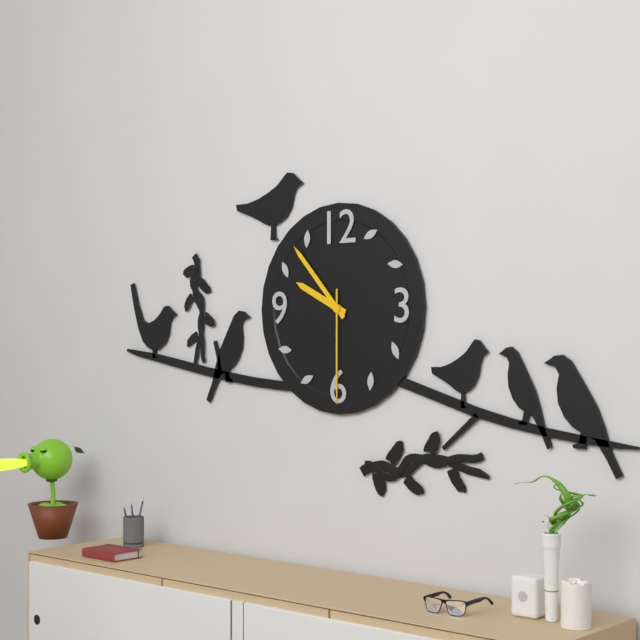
9:53:30
